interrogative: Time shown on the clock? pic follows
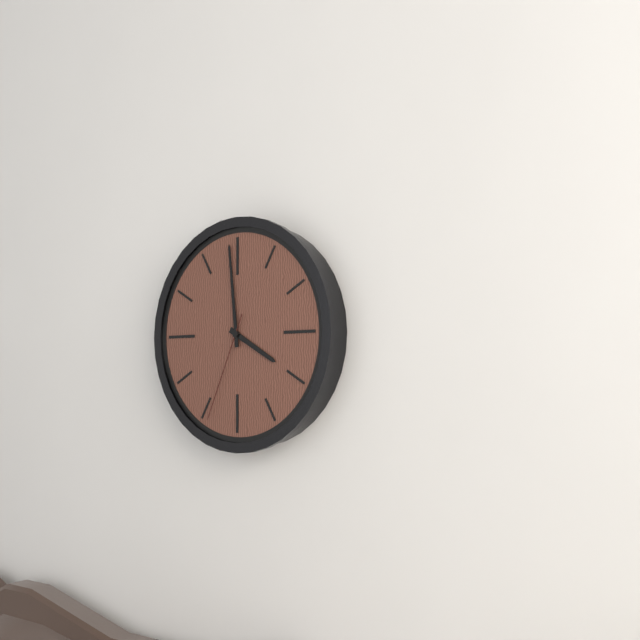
3:59:34
